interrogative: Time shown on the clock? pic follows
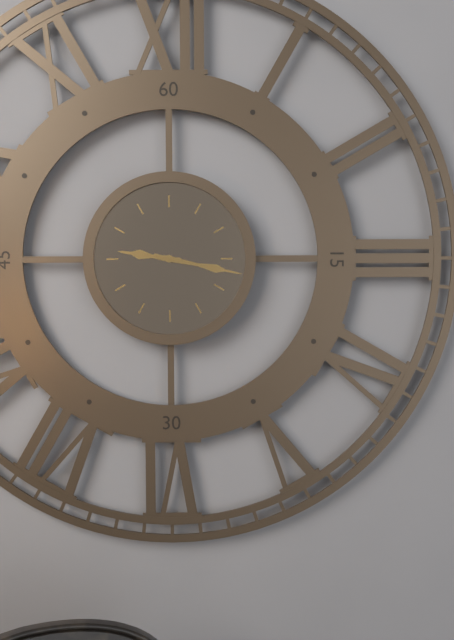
9:17
